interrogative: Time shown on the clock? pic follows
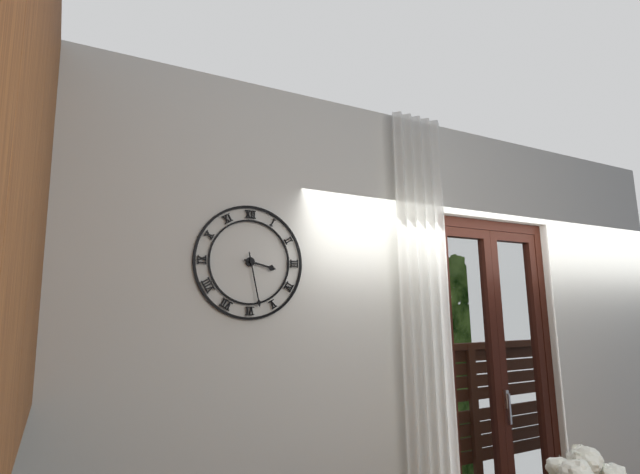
3:28
